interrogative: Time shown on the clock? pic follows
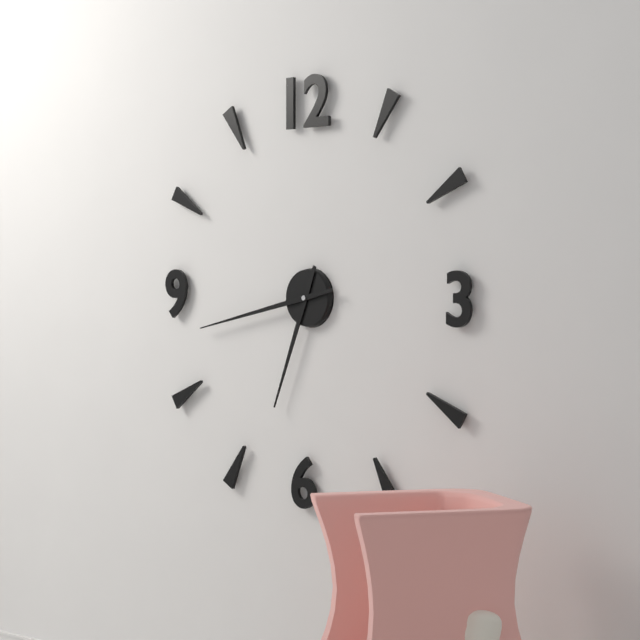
6:43
